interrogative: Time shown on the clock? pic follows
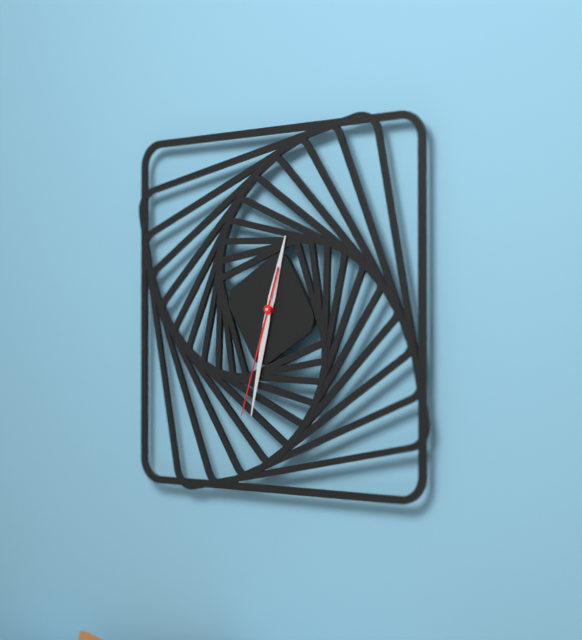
12:32:33
